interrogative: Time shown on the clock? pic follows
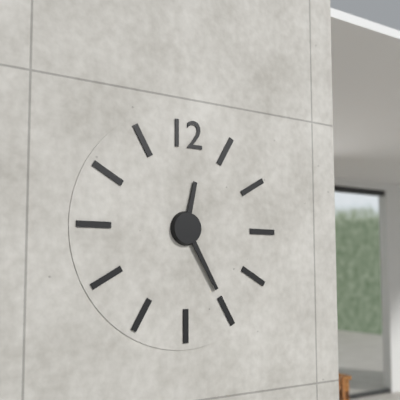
12:25
